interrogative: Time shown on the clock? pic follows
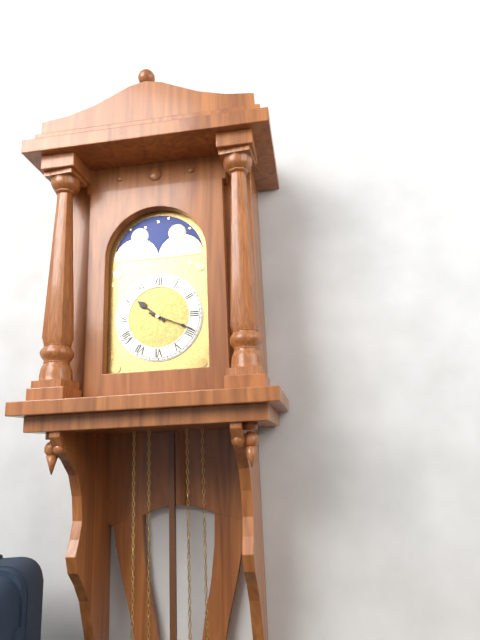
10:19
